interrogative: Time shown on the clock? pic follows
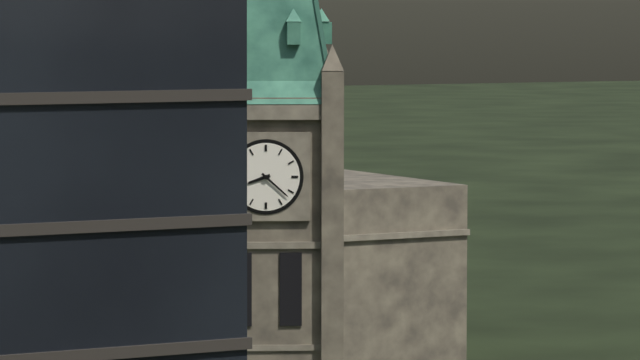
8:22
